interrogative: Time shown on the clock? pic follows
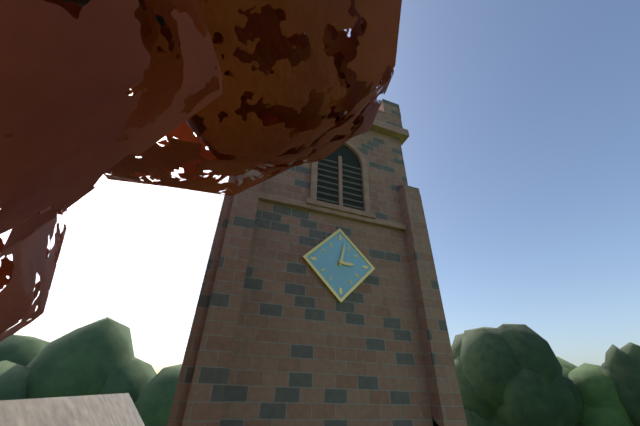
3:02
